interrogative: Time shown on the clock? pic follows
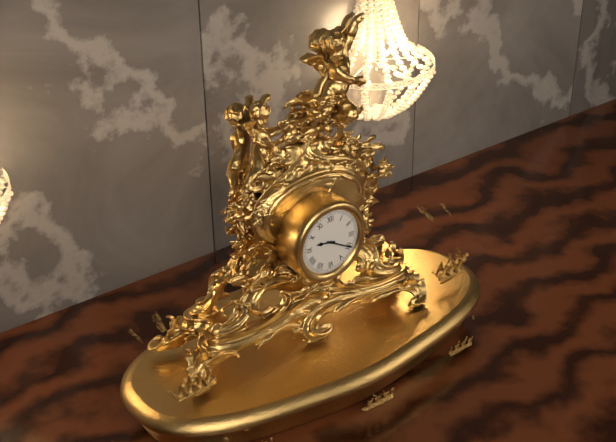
9:20
